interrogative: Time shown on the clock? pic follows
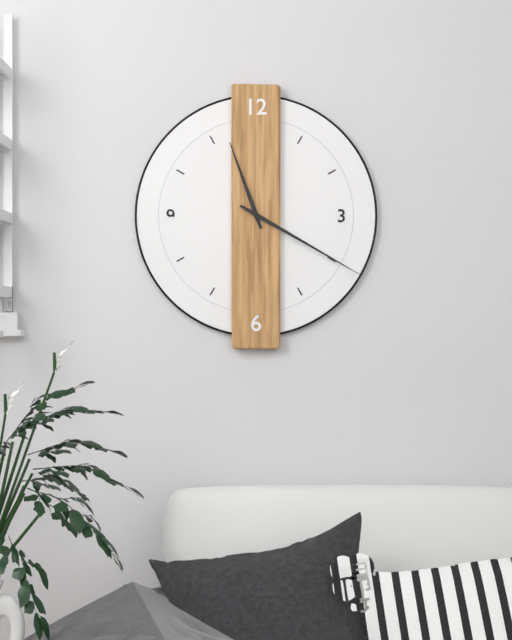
11:20
